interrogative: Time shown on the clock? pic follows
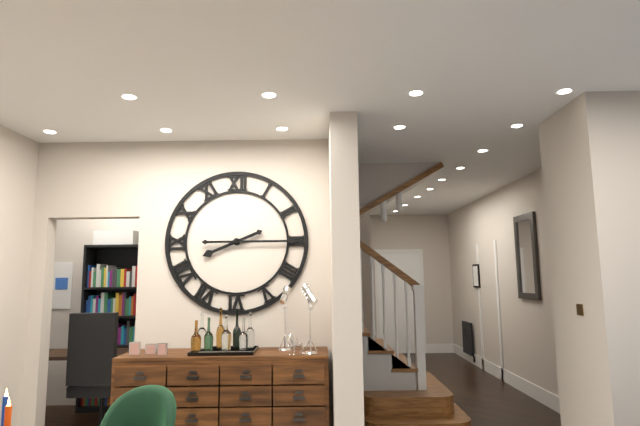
8:15
